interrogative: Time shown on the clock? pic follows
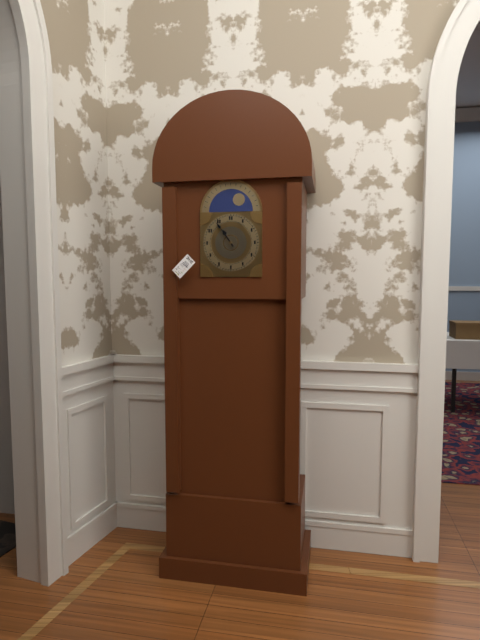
10:54
